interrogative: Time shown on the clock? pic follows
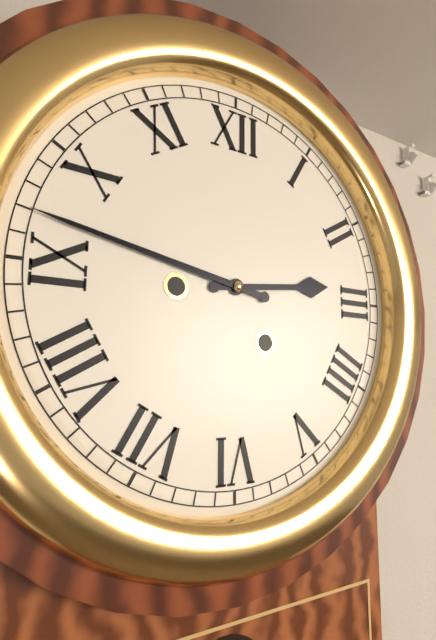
2:47
